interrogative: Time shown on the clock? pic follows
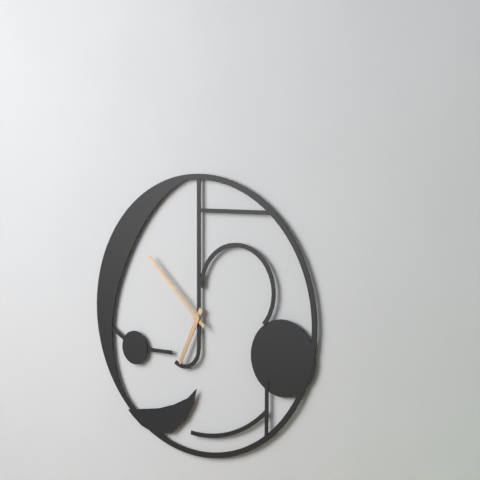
6:52
